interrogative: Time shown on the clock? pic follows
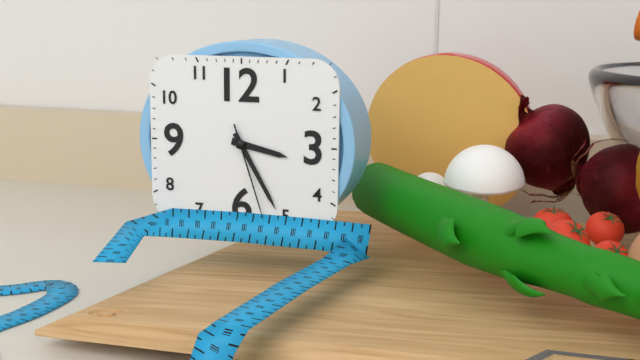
3:25:27
